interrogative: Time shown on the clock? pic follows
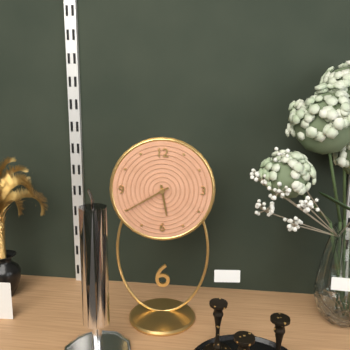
5:40
